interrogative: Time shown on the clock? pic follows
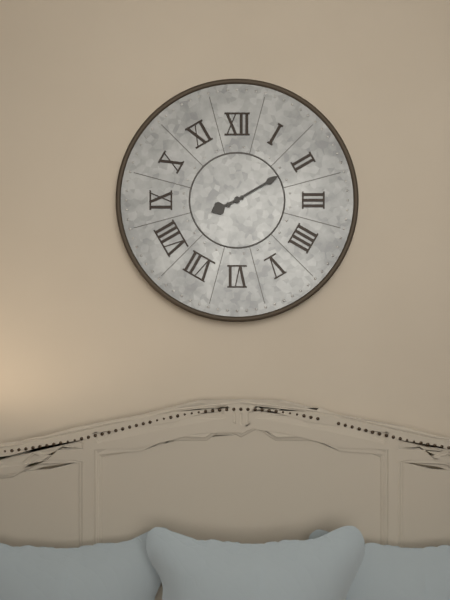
8:10
